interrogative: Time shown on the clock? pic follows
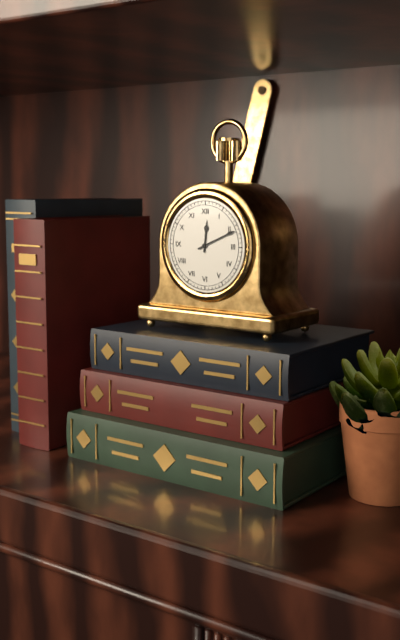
12:11
